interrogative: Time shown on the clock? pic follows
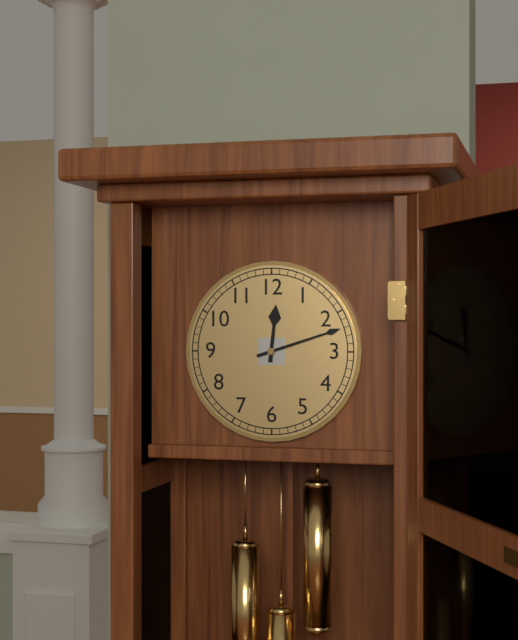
12:12
